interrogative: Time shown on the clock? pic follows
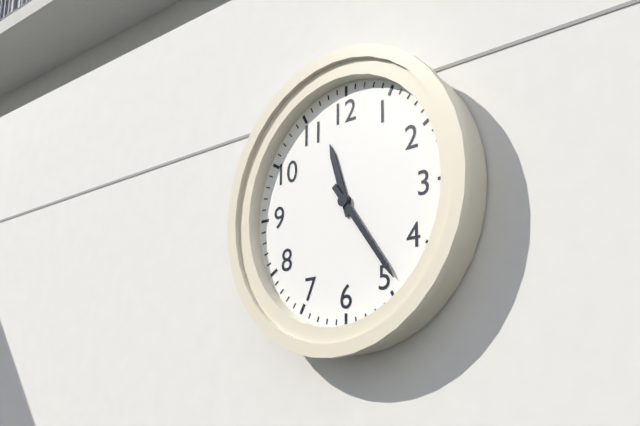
11:24
